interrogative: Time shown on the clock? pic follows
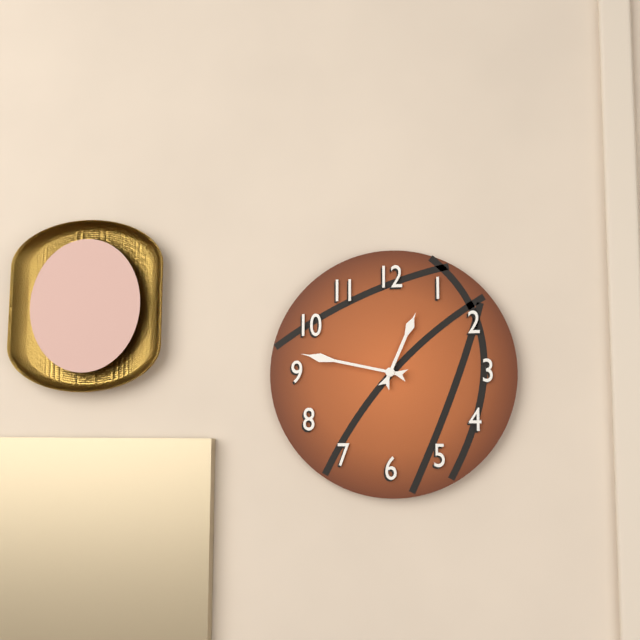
12:47
